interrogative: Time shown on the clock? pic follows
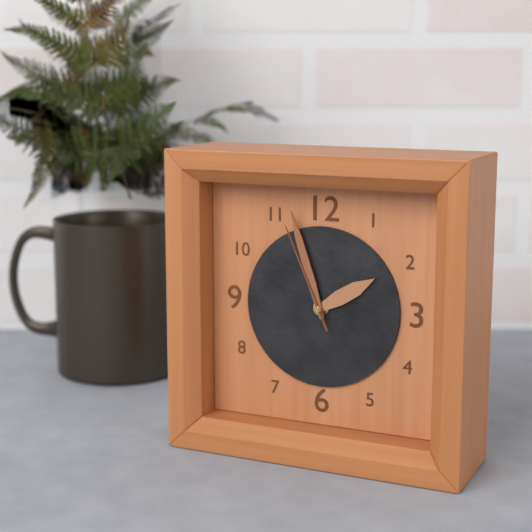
1:57:56
